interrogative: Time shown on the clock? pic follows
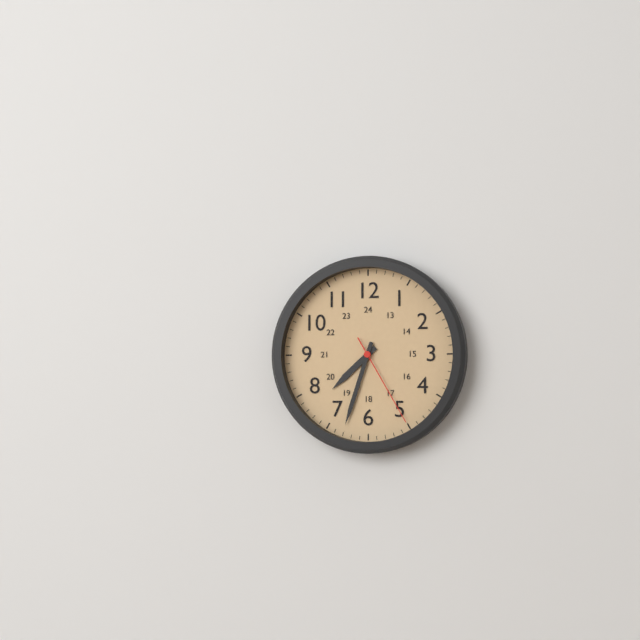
7:33:25
